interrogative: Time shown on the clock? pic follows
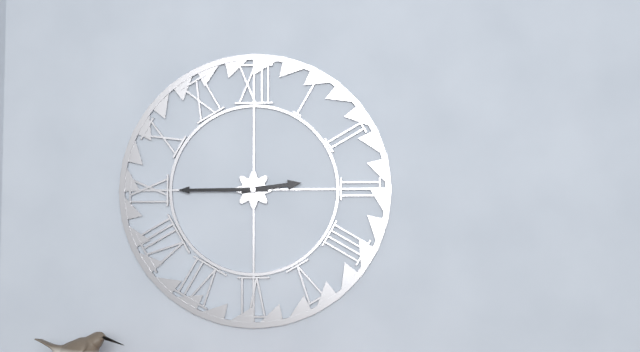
2:45
